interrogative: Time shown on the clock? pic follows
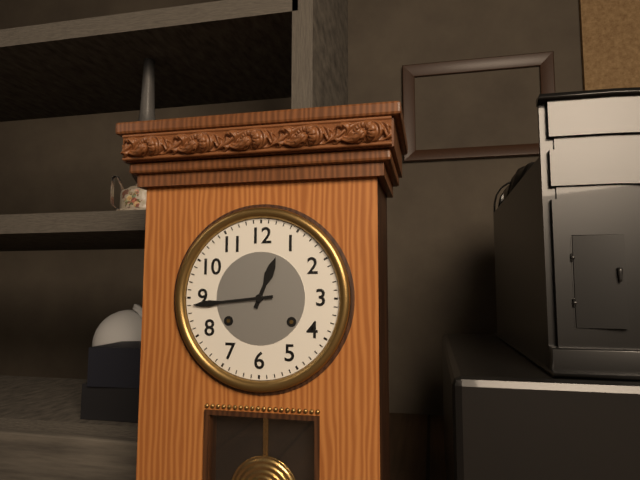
12:44
